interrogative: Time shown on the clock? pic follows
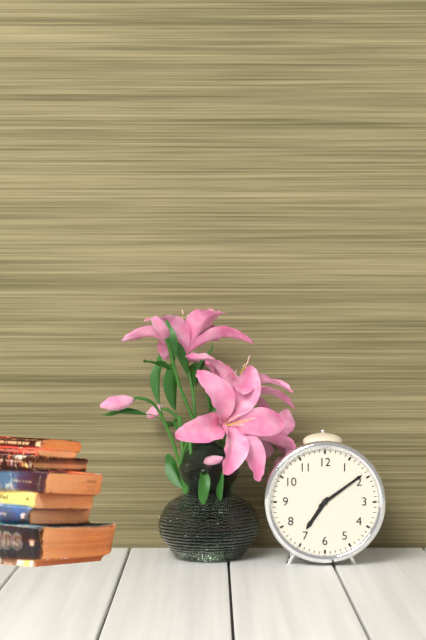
7:09
